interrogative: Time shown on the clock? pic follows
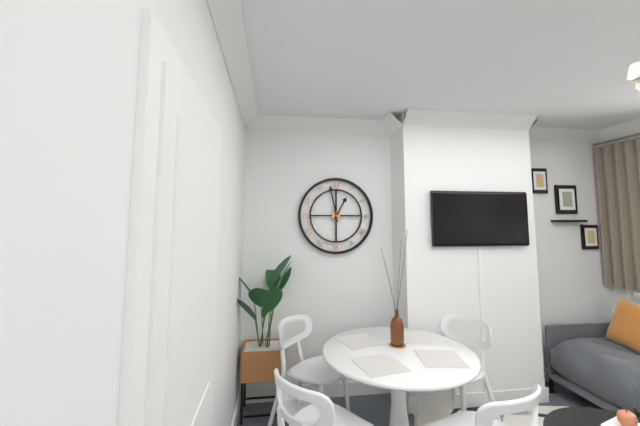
12:58
